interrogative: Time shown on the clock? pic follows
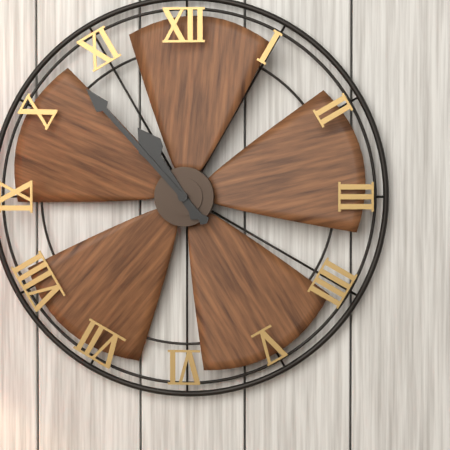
10:53
